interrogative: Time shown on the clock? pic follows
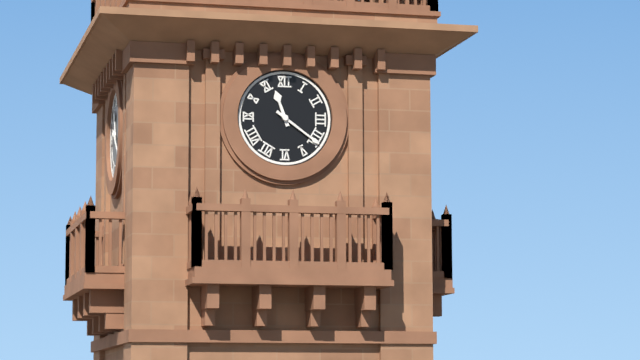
11:21
